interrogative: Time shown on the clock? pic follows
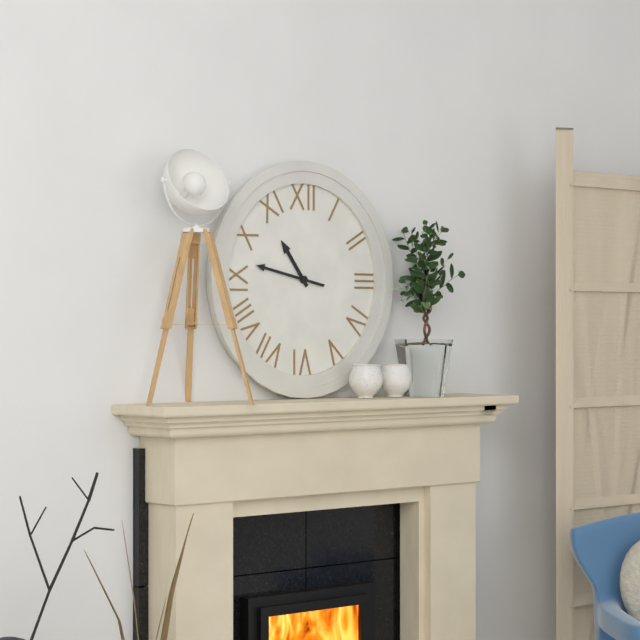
10:47
